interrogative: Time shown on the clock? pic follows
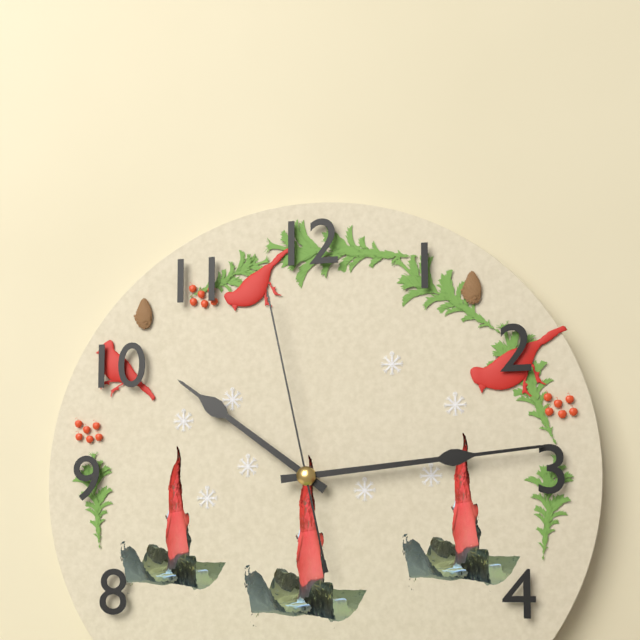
10:14:58
